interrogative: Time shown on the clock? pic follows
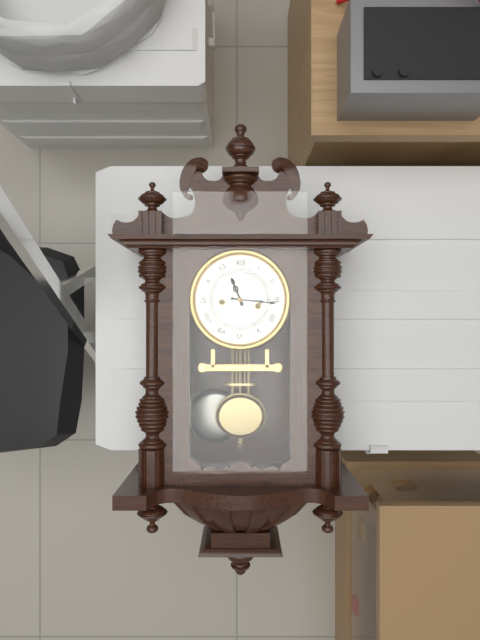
11:16
